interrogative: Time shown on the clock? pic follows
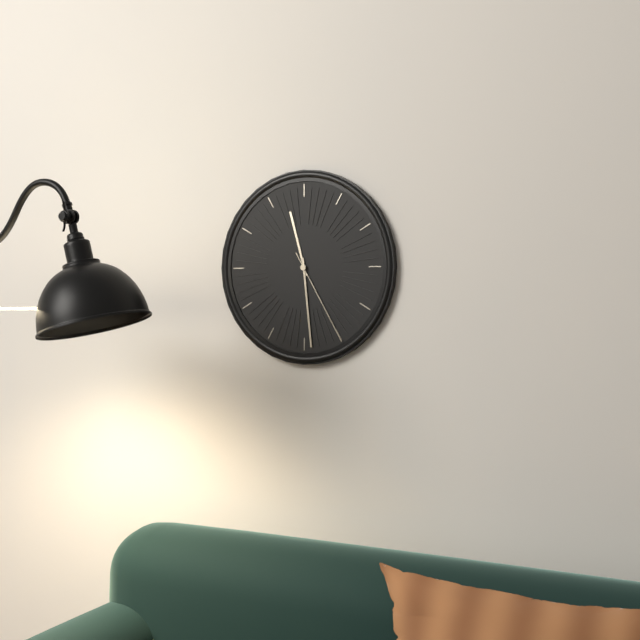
11:29:25
